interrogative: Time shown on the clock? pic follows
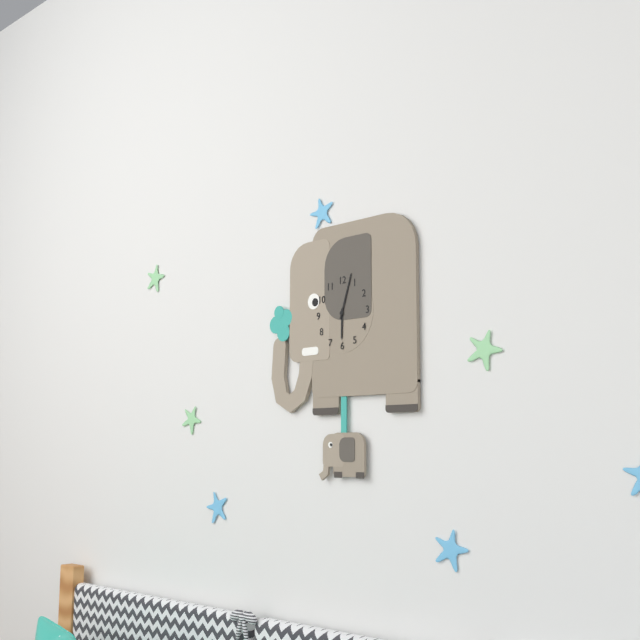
6:03
